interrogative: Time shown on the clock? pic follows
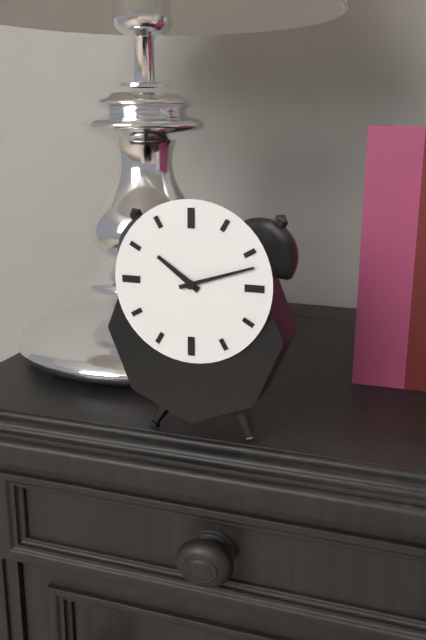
10:12
